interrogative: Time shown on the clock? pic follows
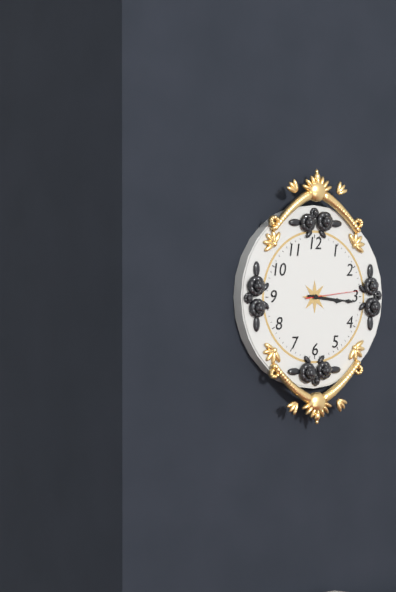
3:16:14
